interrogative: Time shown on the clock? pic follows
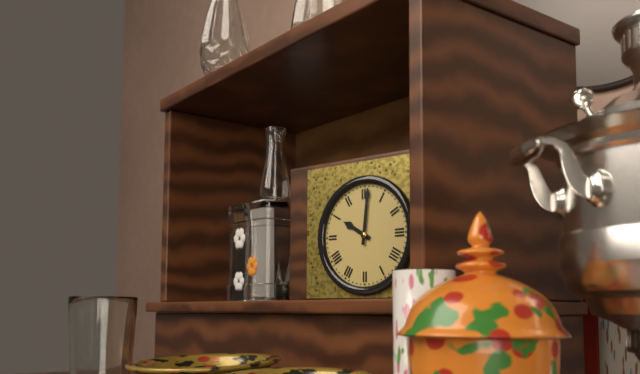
10:01
